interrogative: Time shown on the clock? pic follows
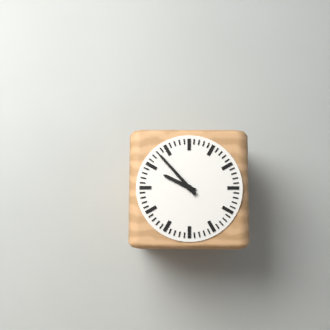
9:53
